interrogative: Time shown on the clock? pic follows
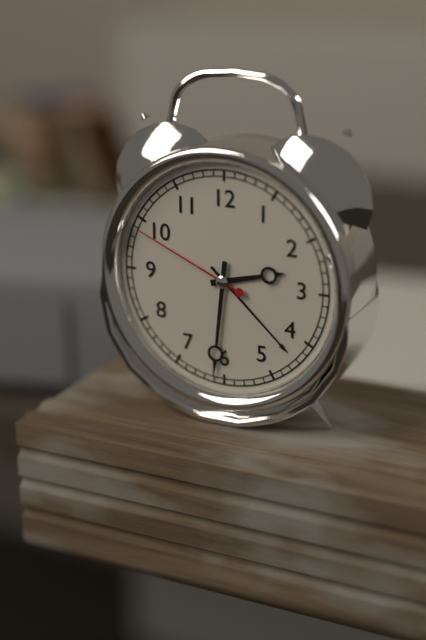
2:31:49
